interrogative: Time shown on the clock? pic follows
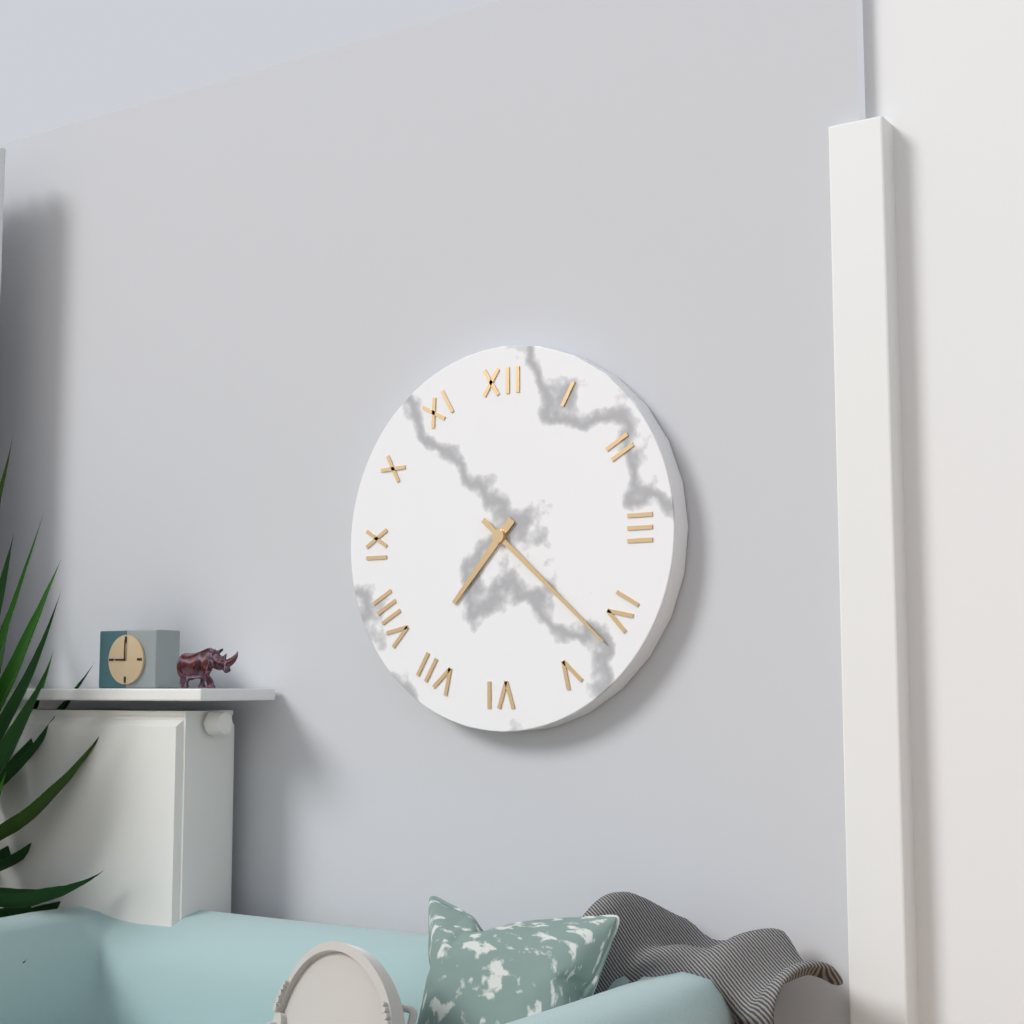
7:22
